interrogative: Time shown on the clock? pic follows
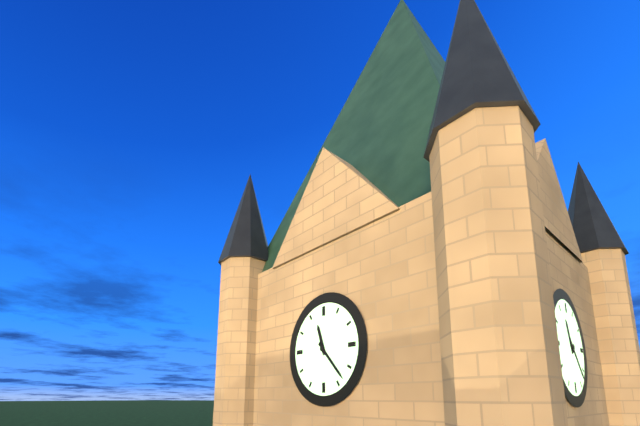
11:23
